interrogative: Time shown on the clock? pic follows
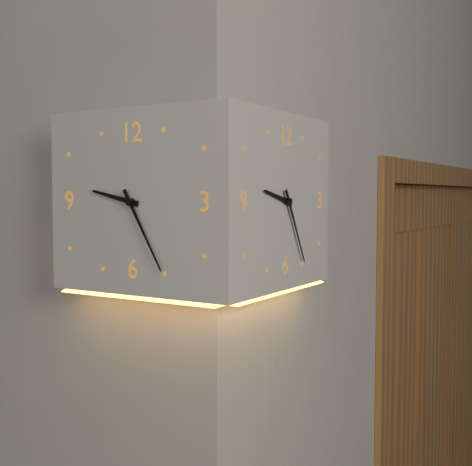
9:25
